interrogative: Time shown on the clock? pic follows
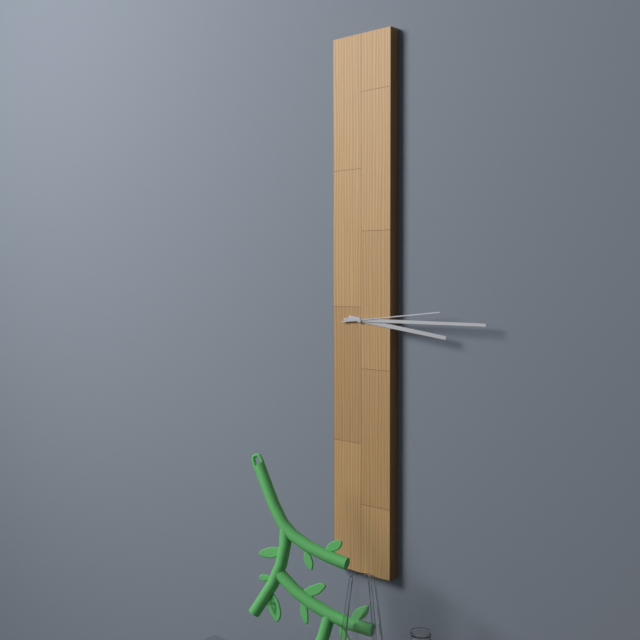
3:15:14
